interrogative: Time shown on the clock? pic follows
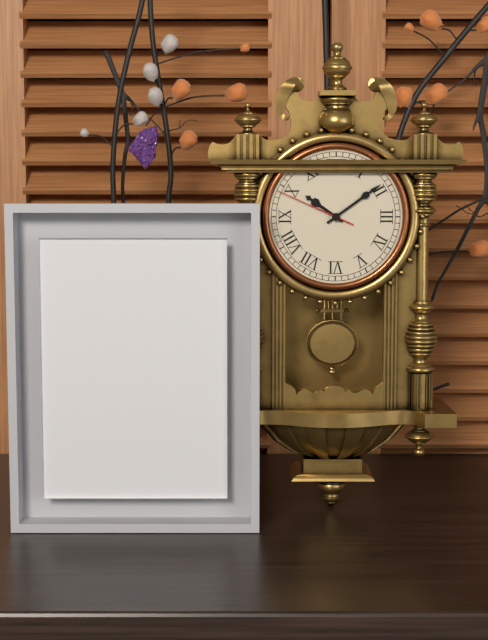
10:09:49
